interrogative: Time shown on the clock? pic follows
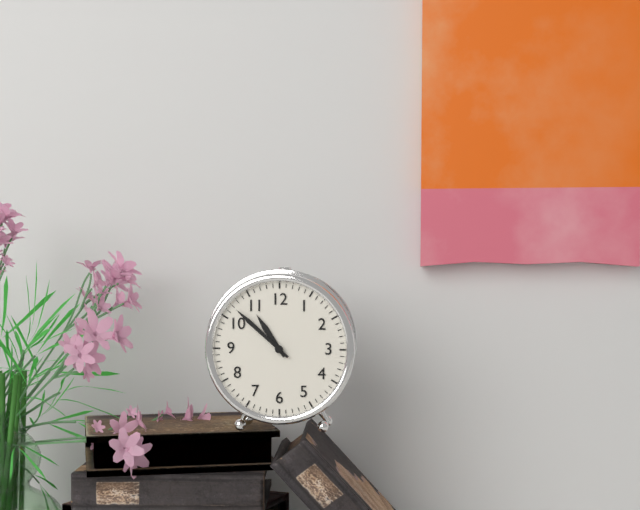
10:52
